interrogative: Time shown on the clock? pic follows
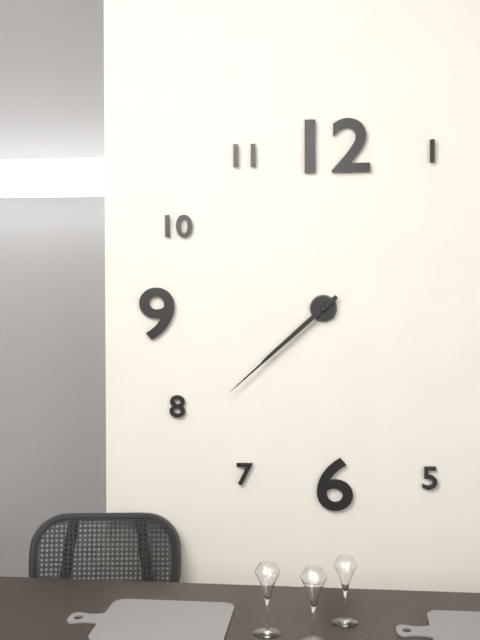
7:38
